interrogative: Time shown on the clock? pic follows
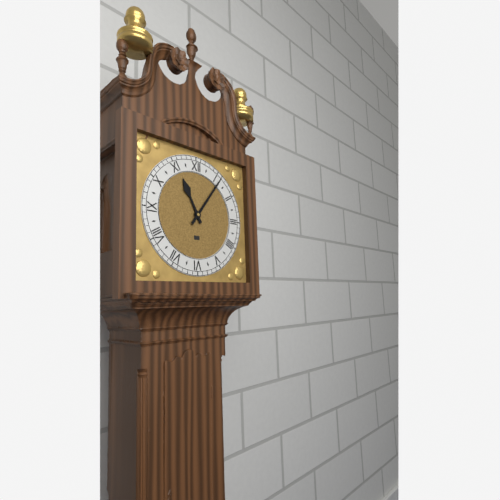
11:06
